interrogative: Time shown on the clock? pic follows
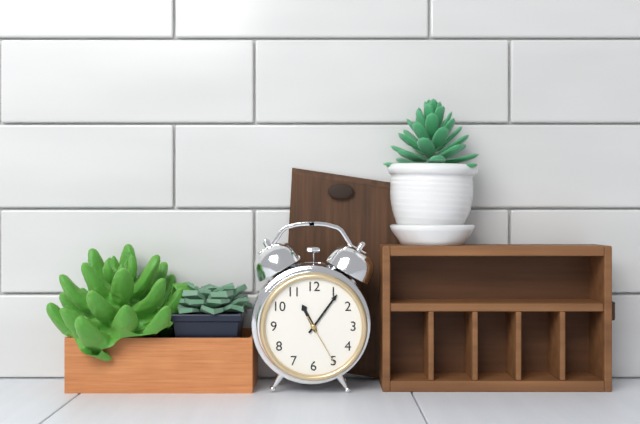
11:06:25
